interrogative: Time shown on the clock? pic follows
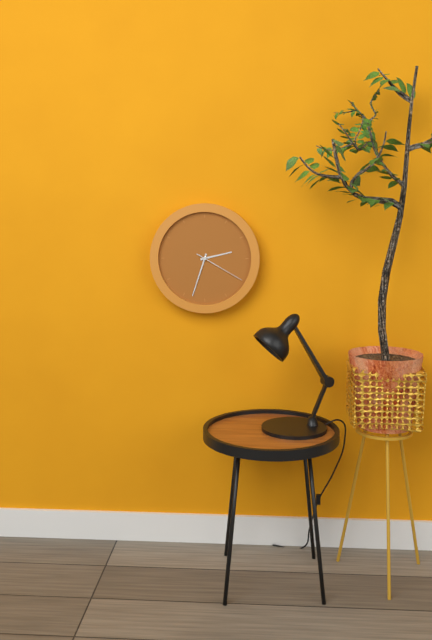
2:33:20
